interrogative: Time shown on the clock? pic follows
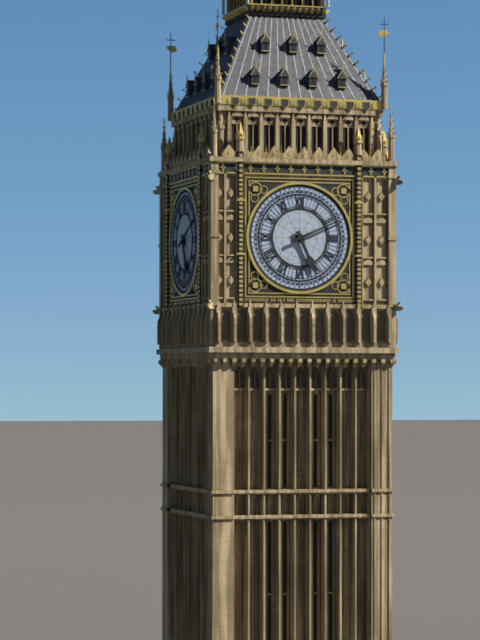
5:11
